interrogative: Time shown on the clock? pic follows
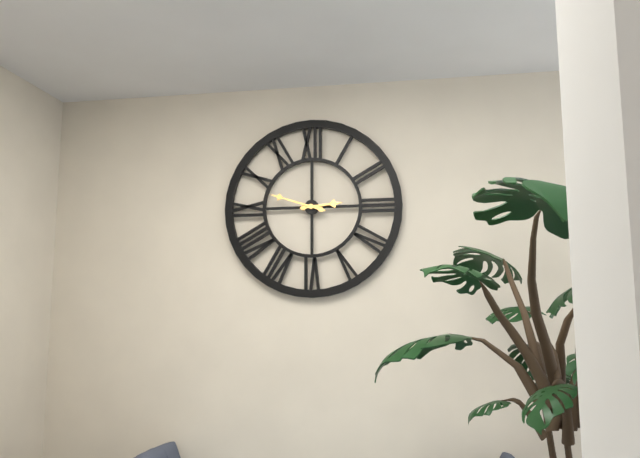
2:48
